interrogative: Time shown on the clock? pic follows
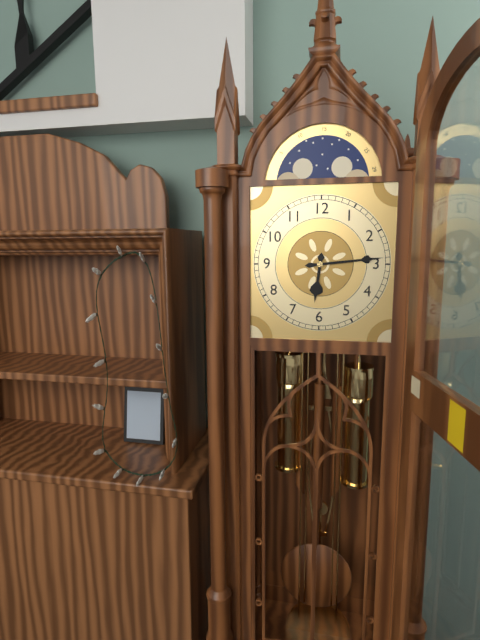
6:14
